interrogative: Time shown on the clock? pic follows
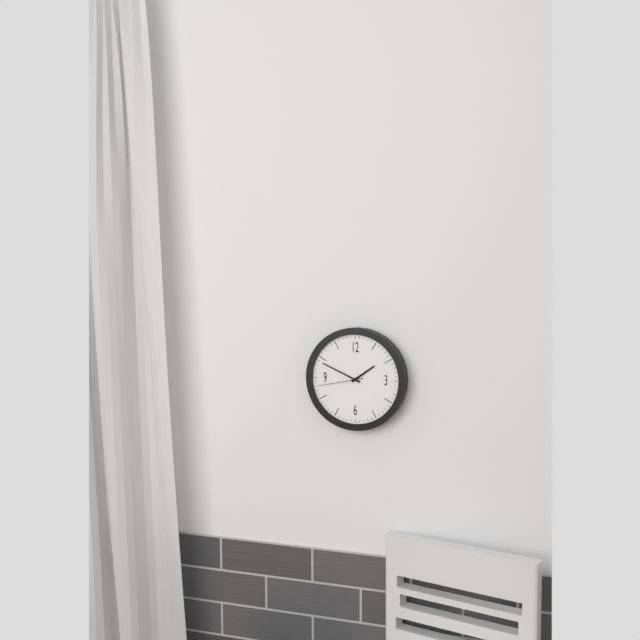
1:49
